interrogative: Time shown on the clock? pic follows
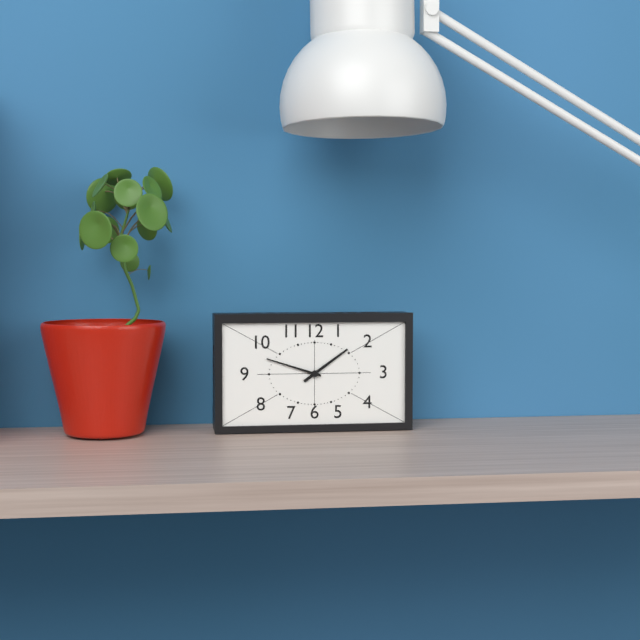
1:48
